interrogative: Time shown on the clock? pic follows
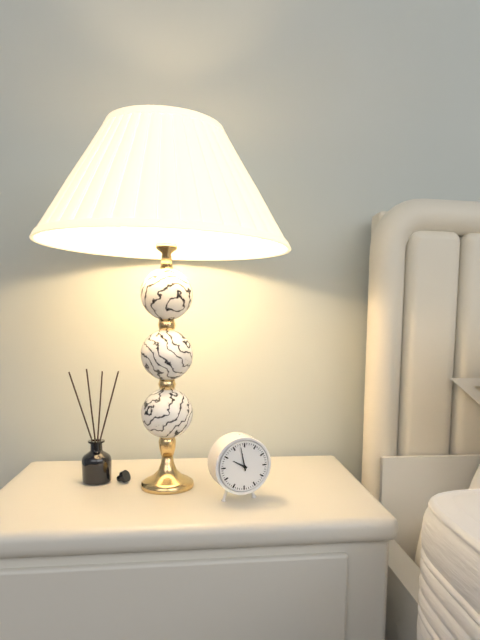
9:58
